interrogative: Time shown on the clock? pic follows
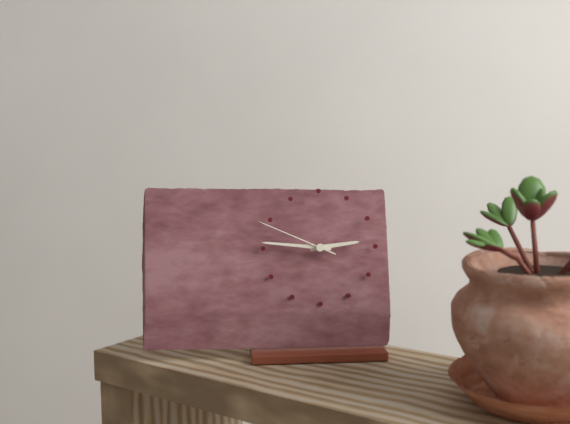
2:46:49
